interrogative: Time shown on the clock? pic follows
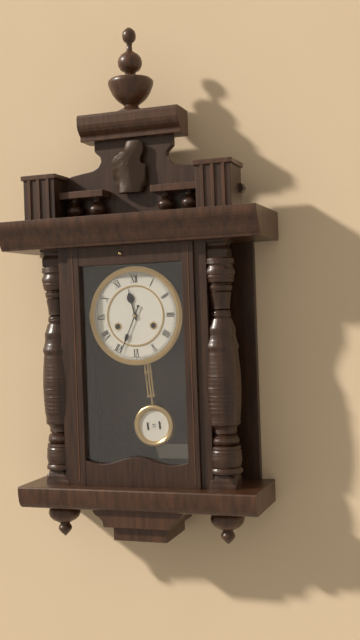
11:34
